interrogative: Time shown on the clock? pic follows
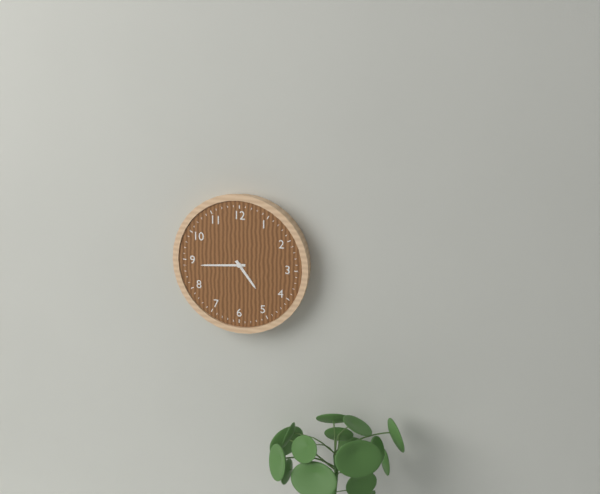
4:44
